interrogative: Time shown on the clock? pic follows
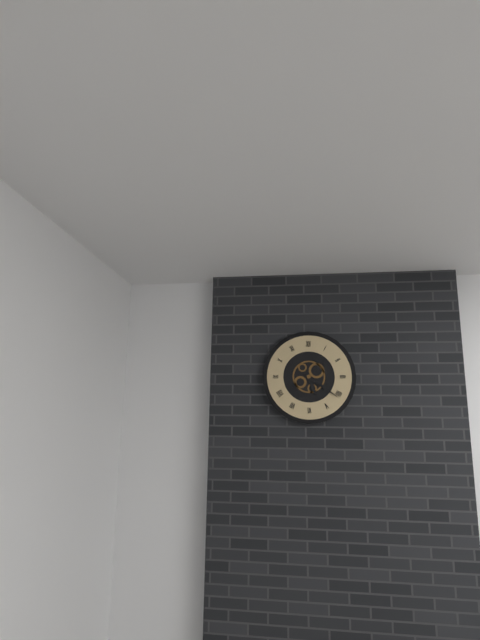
5:21
